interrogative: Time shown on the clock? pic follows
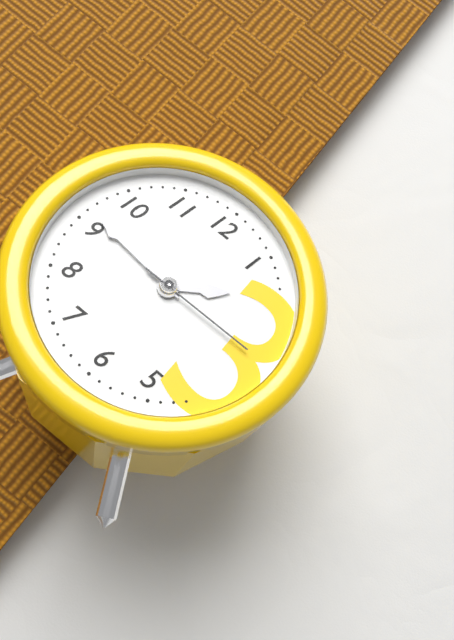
1:46:15
